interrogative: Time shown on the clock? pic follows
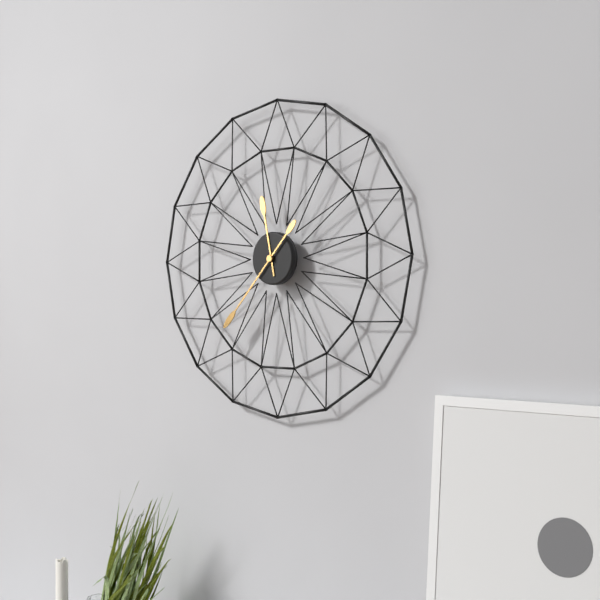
11:37
